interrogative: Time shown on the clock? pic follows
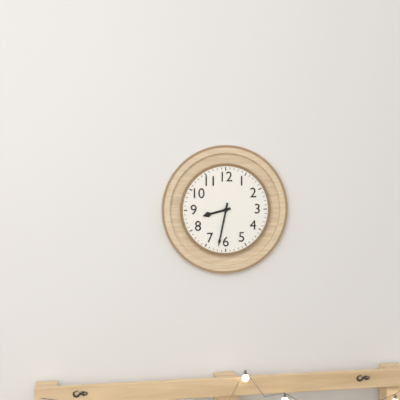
8:32
